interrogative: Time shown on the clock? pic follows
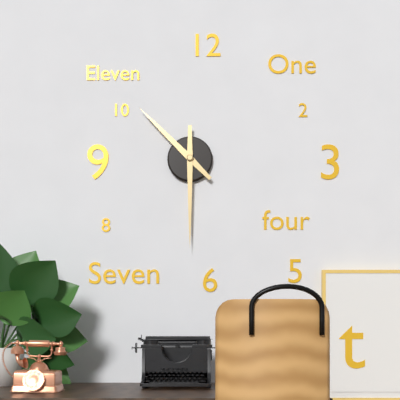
10:30
